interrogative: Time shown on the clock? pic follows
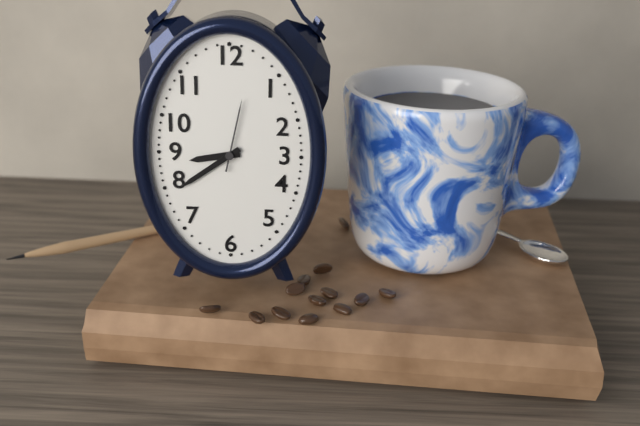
8:39:02
